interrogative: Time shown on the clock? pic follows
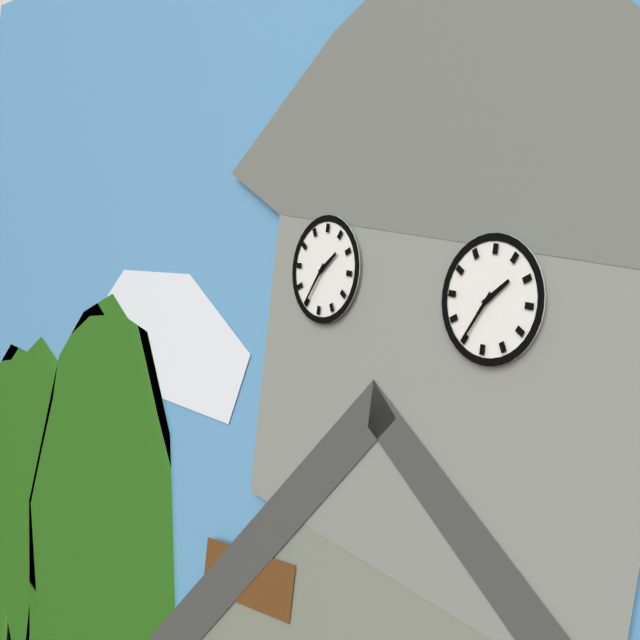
1:35
